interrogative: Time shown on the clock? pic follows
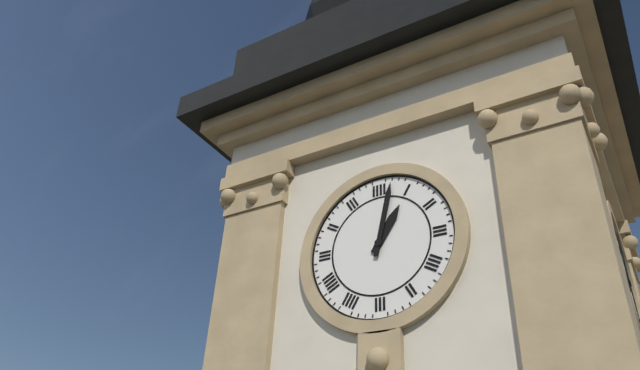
1:02
